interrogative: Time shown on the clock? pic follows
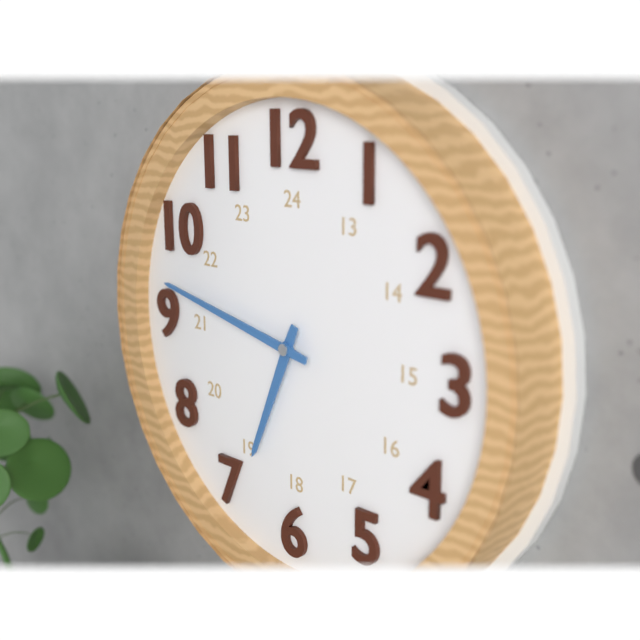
6:47
